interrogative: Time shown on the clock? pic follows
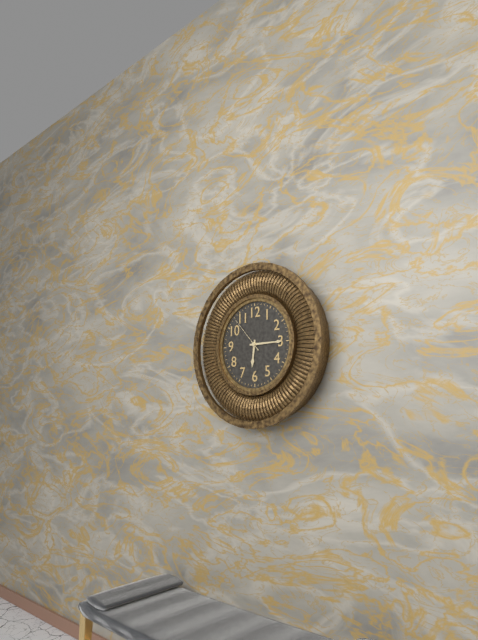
6:15
